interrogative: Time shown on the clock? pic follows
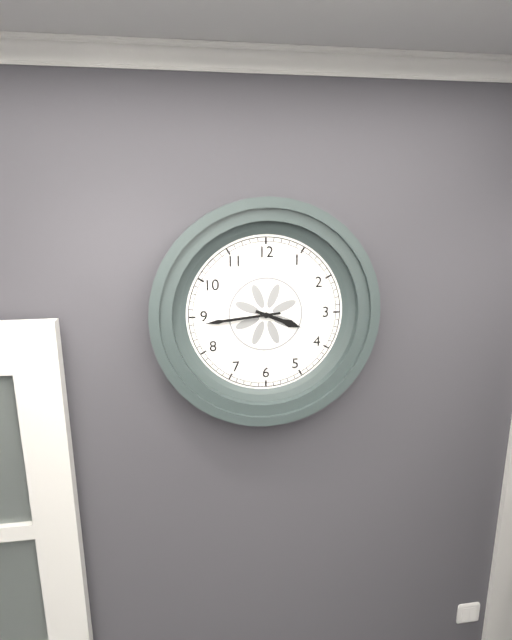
3:44
